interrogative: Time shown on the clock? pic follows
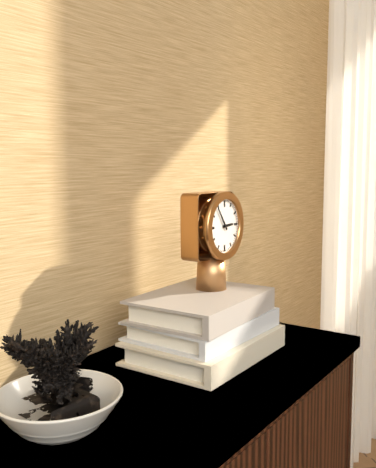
2:54
